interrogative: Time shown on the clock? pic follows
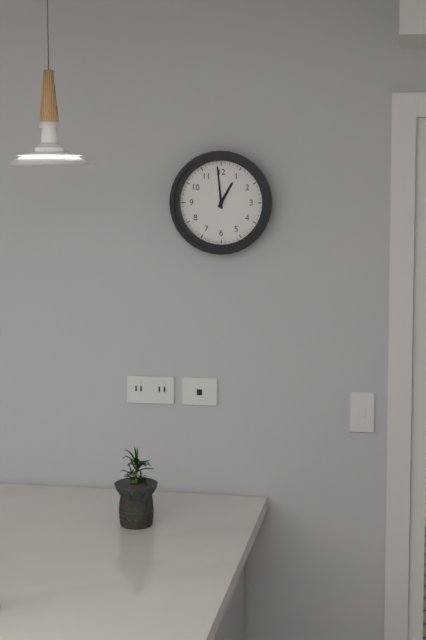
12:59
